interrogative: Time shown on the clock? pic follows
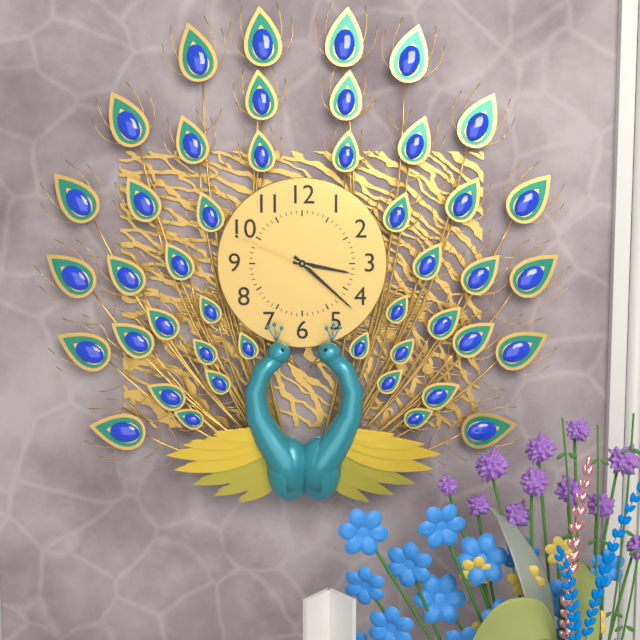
3:22:49
